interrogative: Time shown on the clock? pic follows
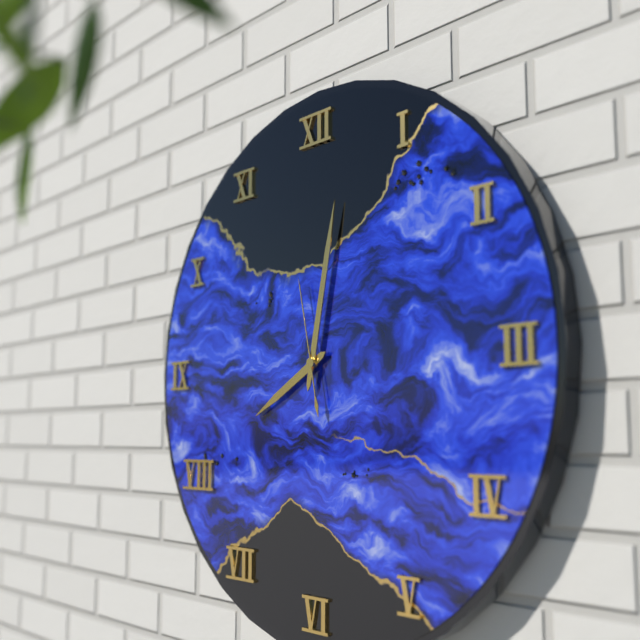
8:02:58
